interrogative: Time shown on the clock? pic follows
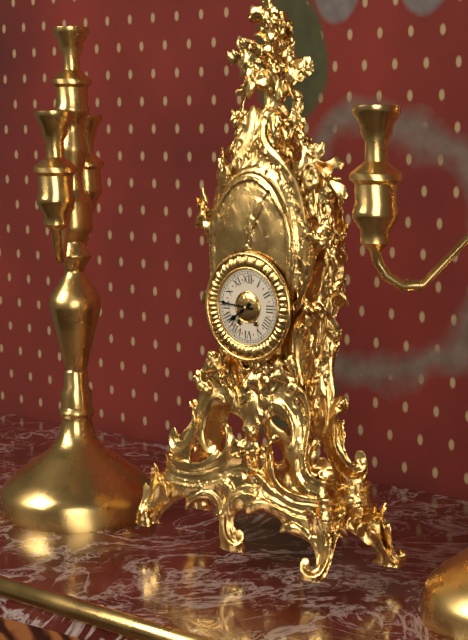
7:46
